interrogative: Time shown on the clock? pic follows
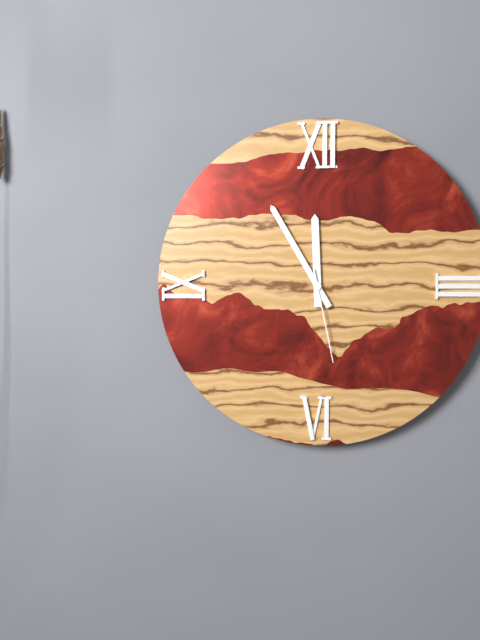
11:55:28
